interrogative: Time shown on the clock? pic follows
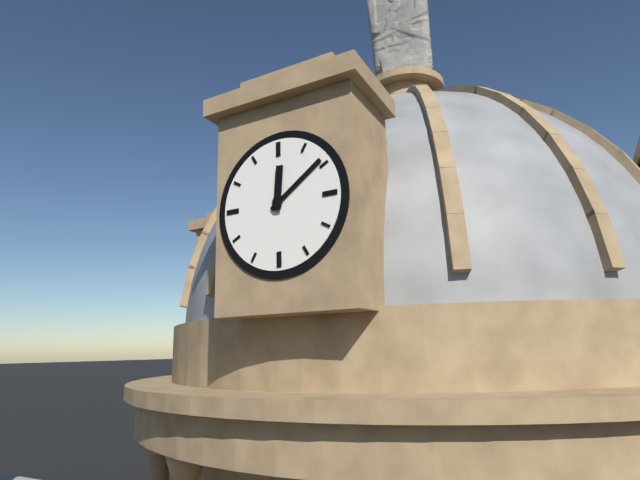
12:09
